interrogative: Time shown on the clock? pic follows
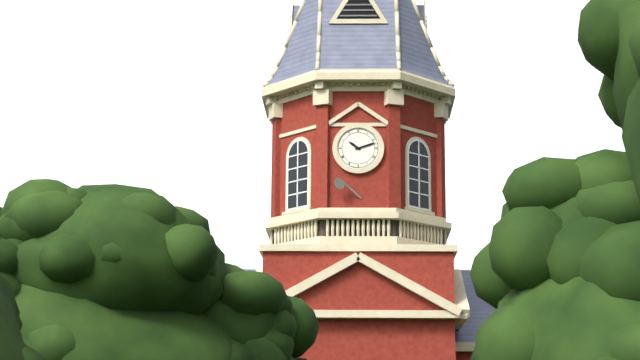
10:12
